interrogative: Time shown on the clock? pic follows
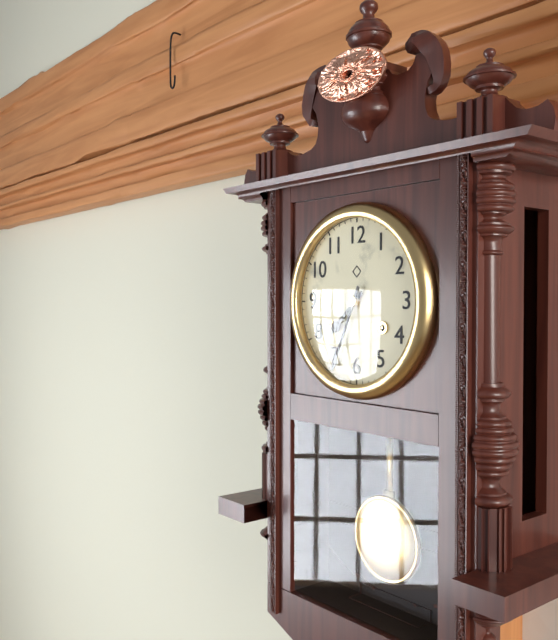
7:34
